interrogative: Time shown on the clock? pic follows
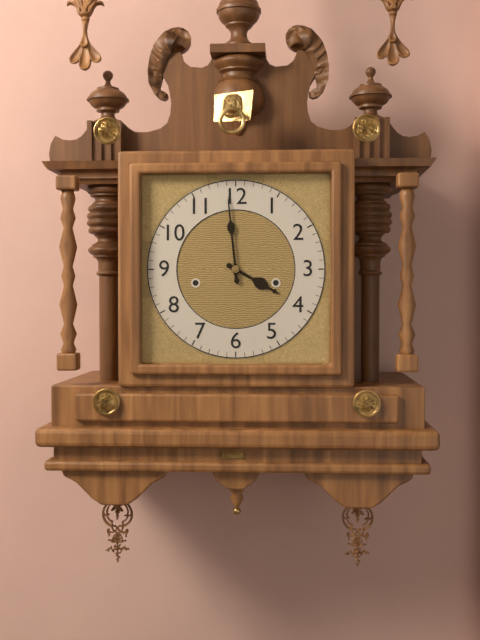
3:59
